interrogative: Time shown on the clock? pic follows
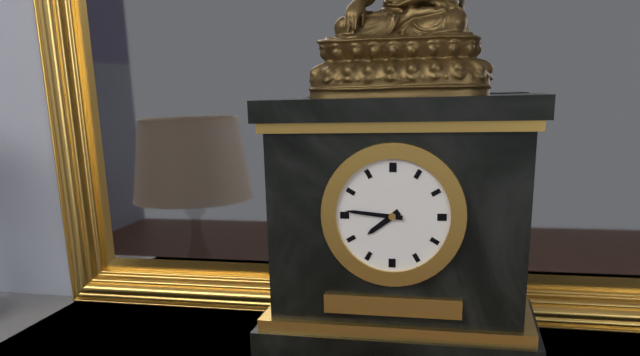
7:46
